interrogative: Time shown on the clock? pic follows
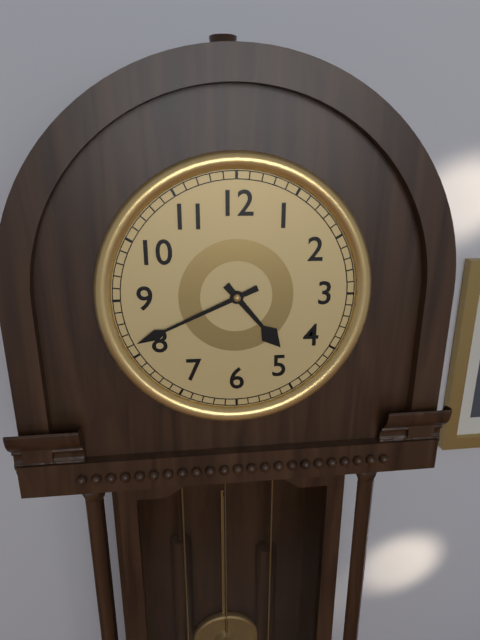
4:41
